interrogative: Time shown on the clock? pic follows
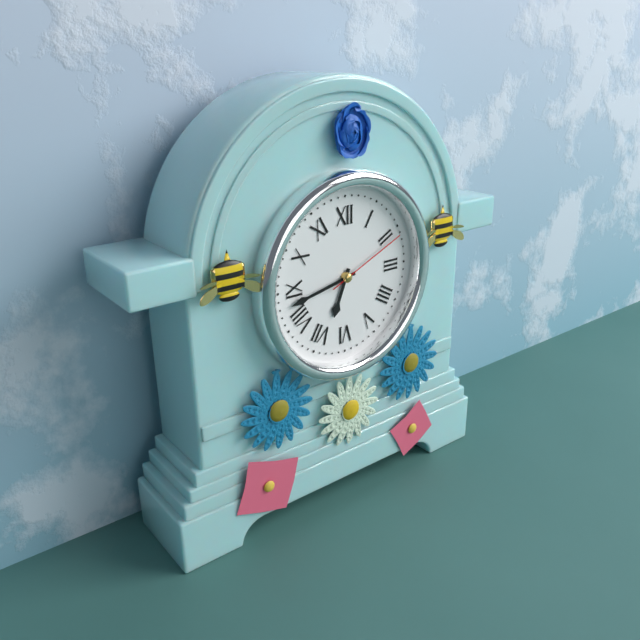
6:43:11
